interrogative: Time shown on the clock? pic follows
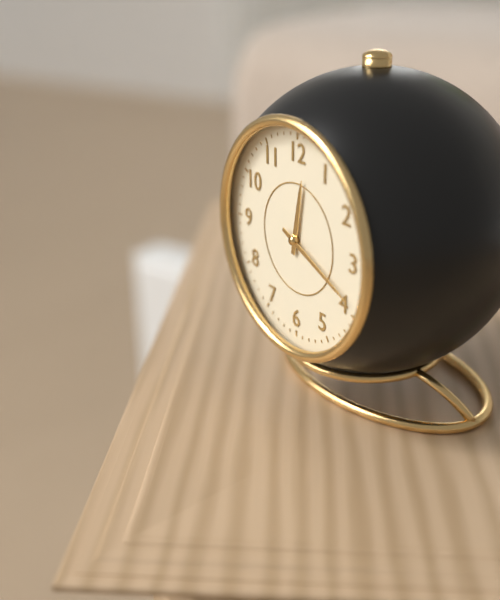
12:19
